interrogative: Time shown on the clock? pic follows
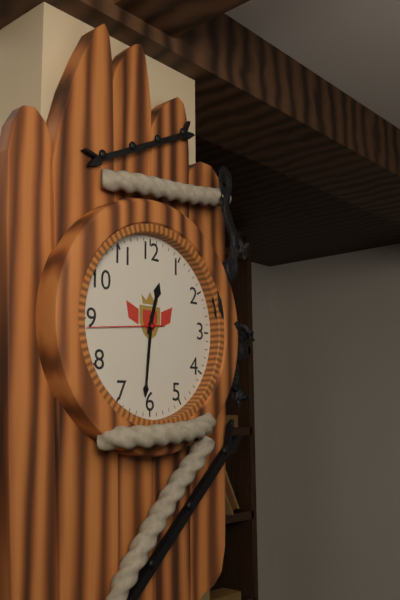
12:31:44
